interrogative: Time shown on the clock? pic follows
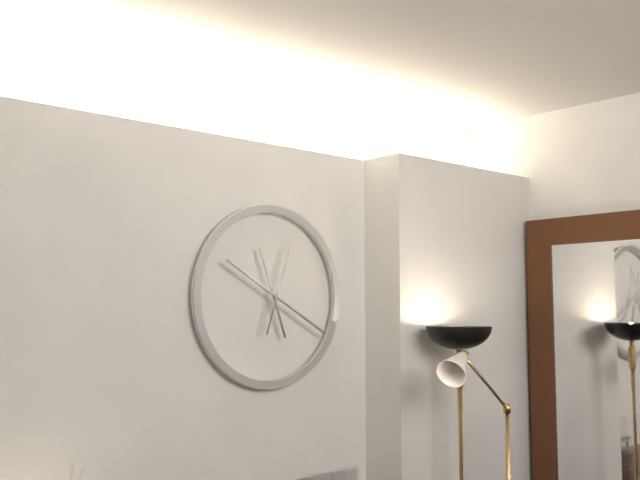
11:20:03
